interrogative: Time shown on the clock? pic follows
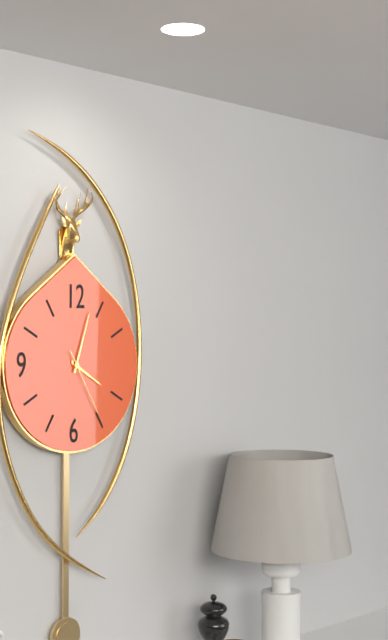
4:03:25
